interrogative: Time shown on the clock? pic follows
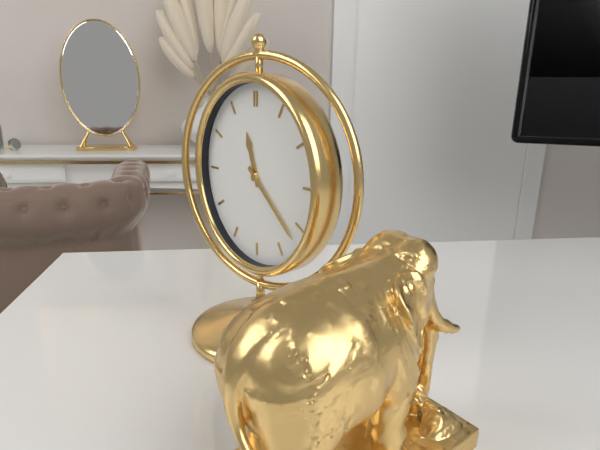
11:22
